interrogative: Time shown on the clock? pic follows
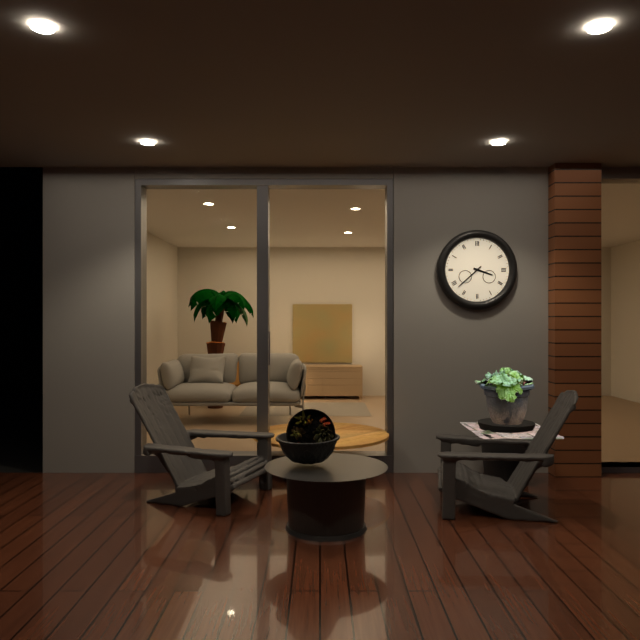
3:38
